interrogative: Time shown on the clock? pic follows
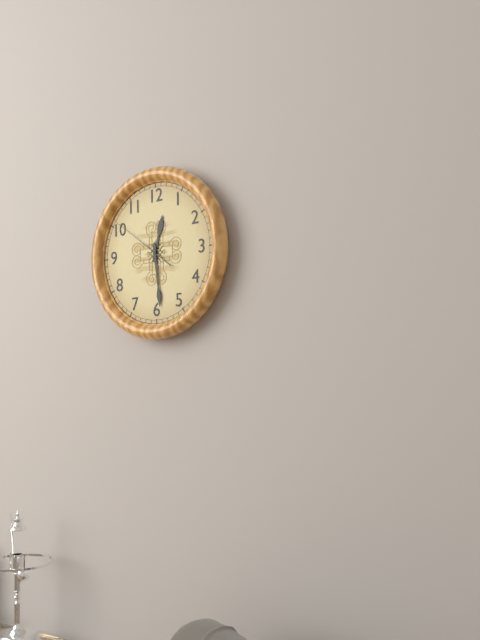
12:29:51
